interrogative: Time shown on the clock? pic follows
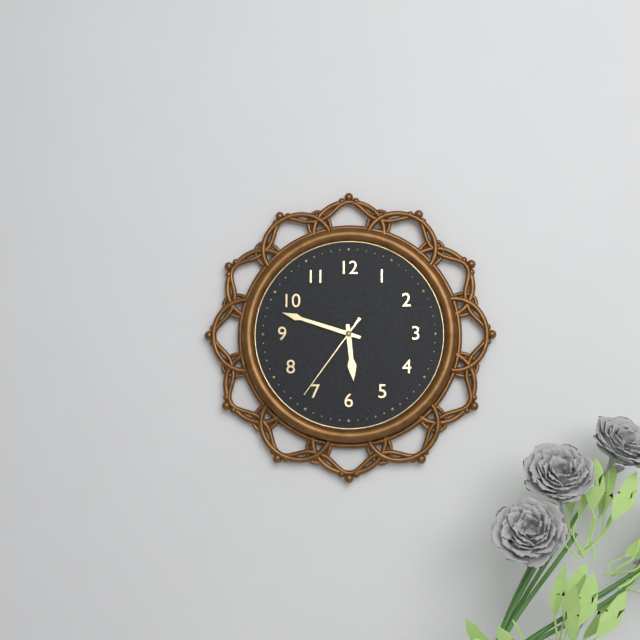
5:48:36
